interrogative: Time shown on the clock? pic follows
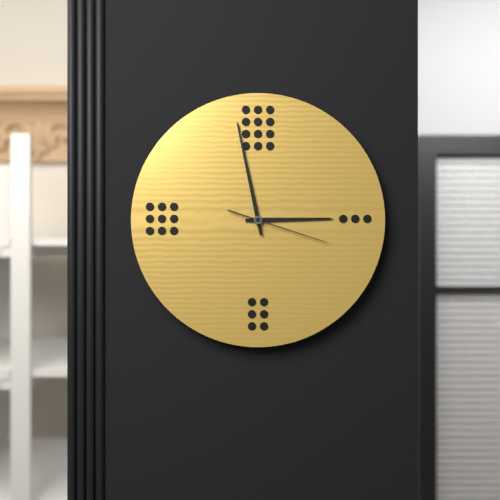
2:58:18
